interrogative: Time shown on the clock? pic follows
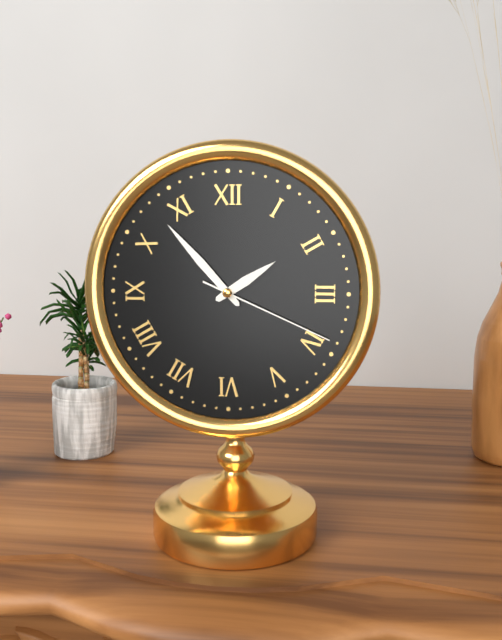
1:53:19
